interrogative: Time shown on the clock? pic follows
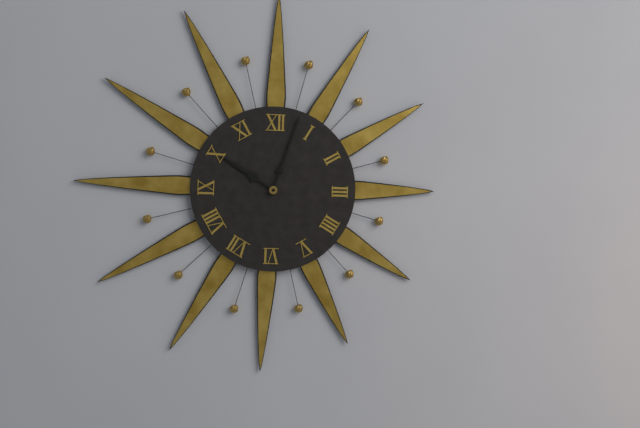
10:03
